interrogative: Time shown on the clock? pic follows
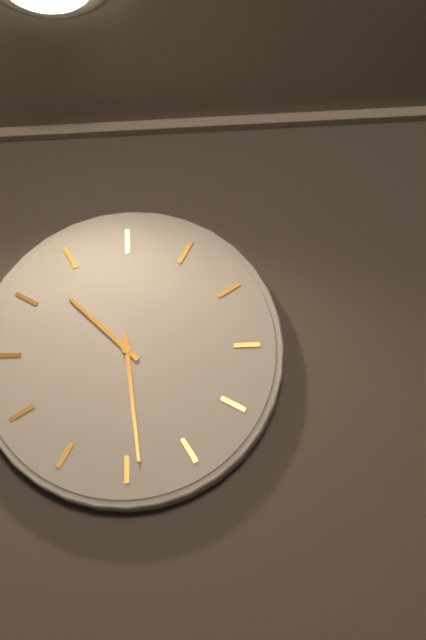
10:29
